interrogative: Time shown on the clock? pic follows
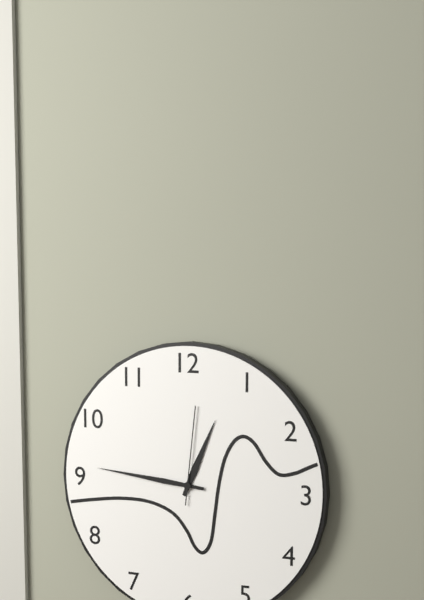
12:46:01
